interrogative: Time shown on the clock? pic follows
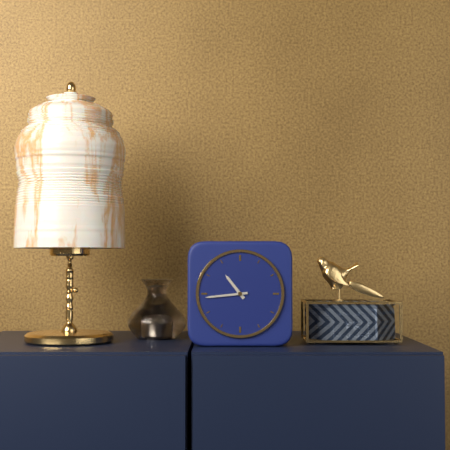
10:44
